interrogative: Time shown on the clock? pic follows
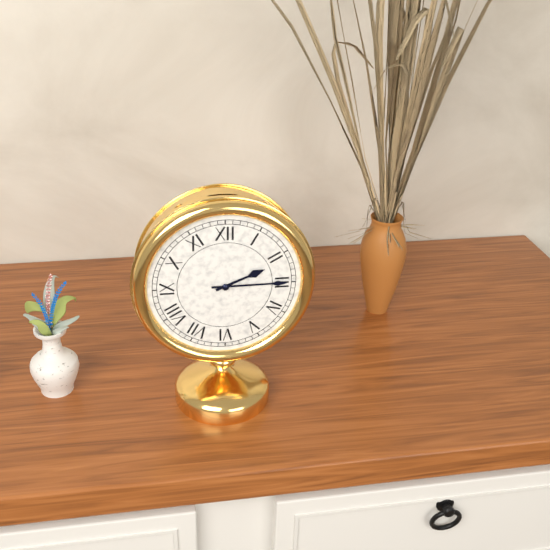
2:15
